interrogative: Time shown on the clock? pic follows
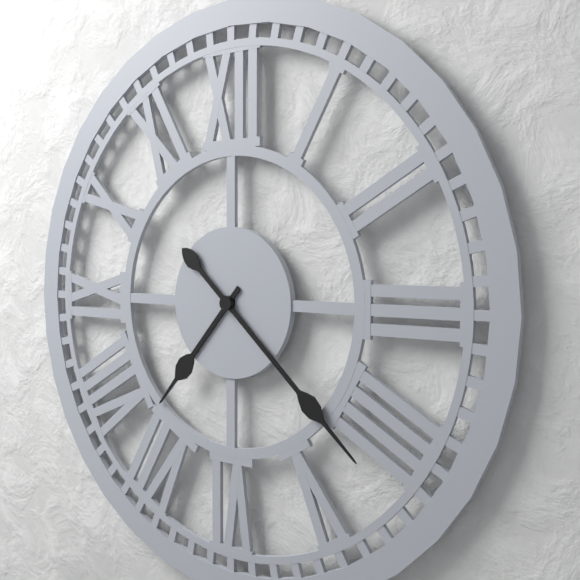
7:22
